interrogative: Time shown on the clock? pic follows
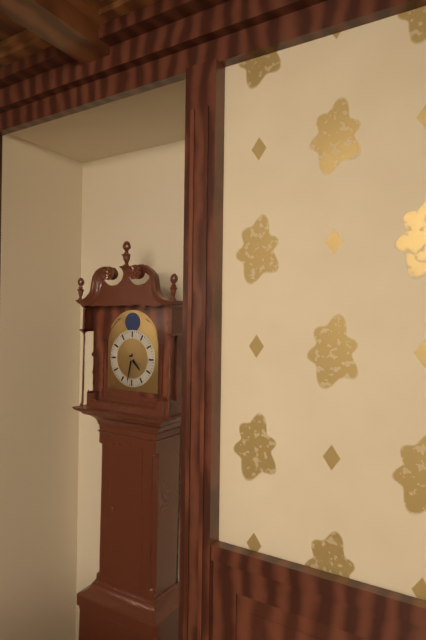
4:32
